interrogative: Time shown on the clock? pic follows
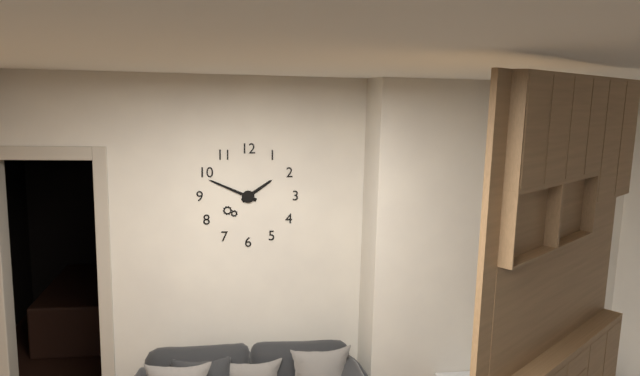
1:49
